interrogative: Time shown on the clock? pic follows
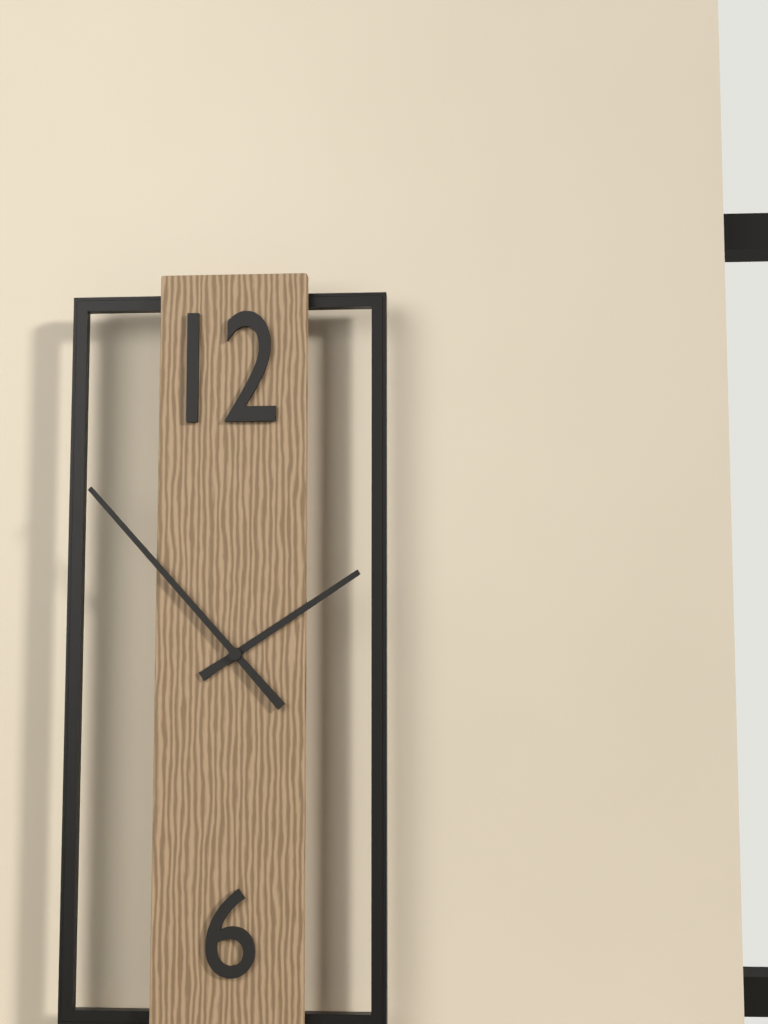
1:53
